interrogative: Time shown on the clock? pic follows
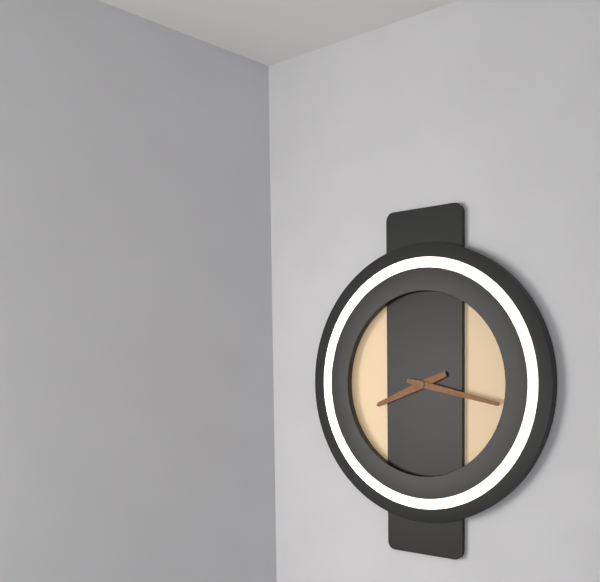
8:17
